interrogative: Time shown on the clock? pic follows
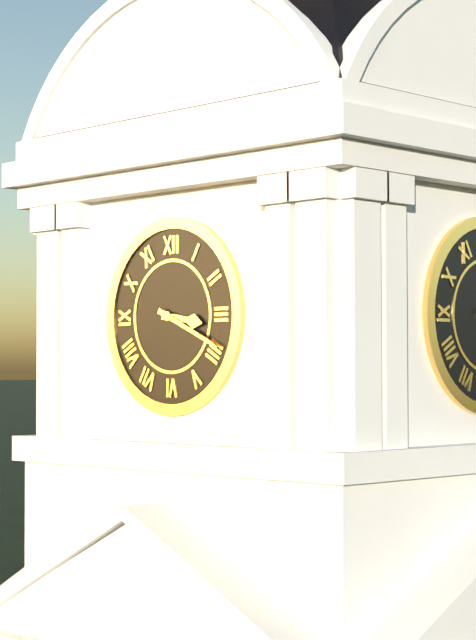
3:19
